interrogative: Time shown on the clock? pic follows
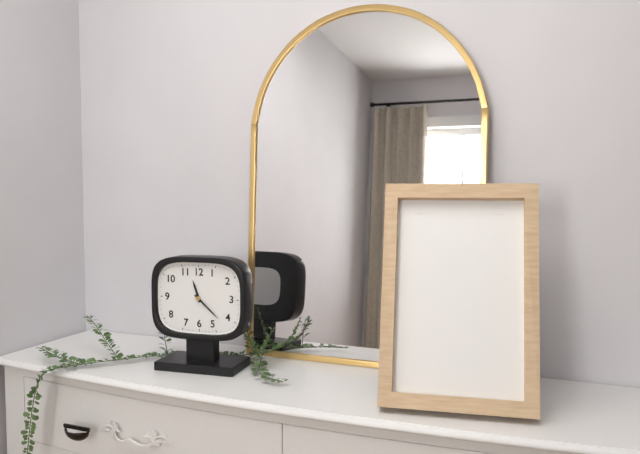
11:22
